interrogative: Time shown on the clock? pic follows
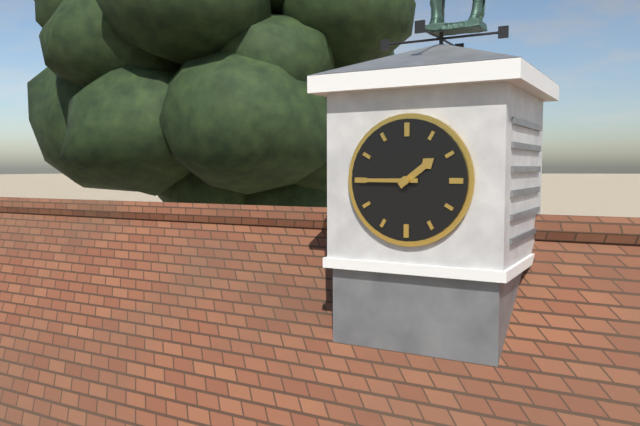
1:45
